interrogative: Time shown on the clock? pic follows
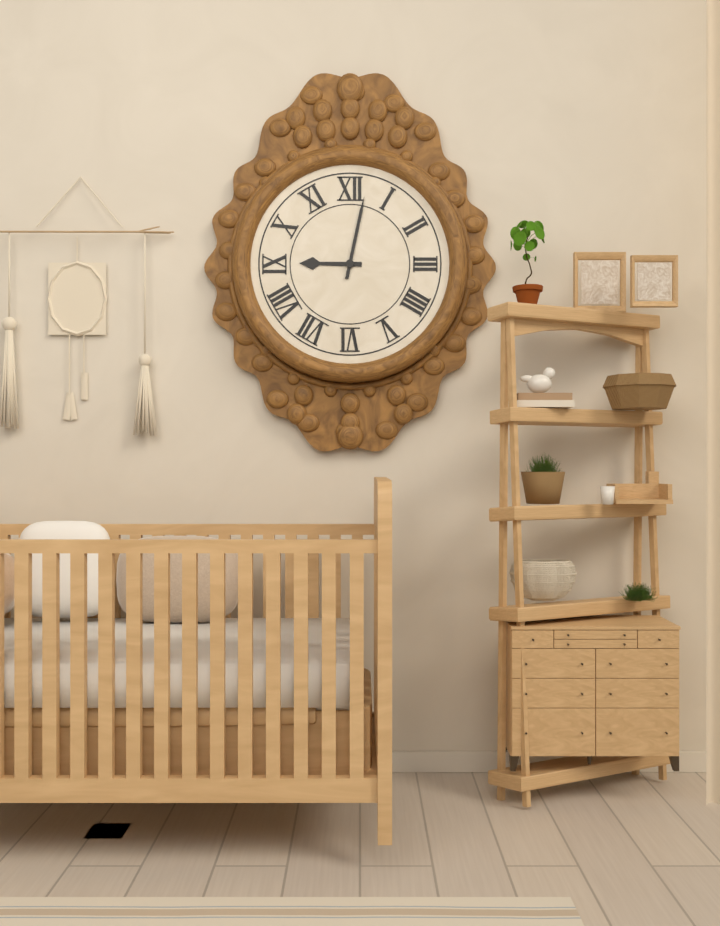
9:02
